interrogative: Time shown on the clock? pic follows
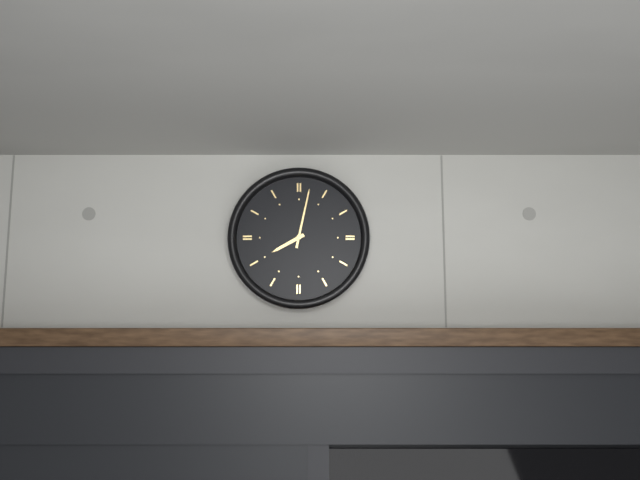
8:02
